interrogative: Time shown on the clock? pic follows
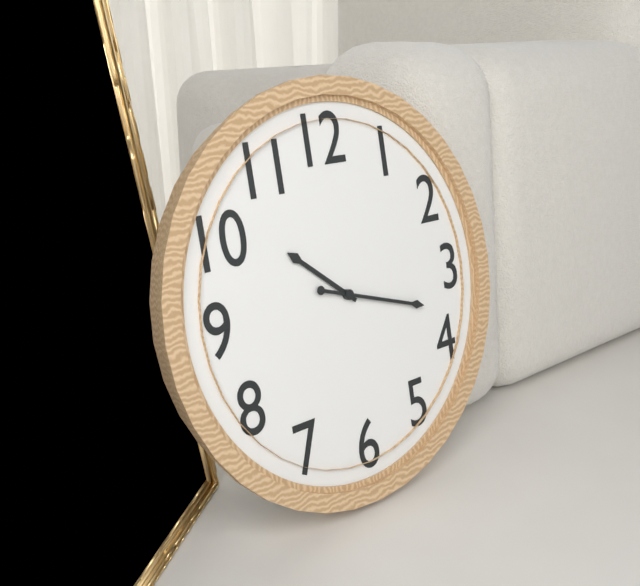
10:18
